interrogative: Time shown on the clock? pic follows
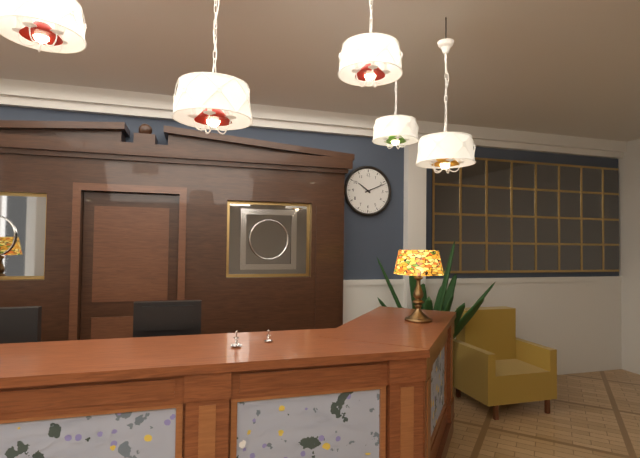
10:11
